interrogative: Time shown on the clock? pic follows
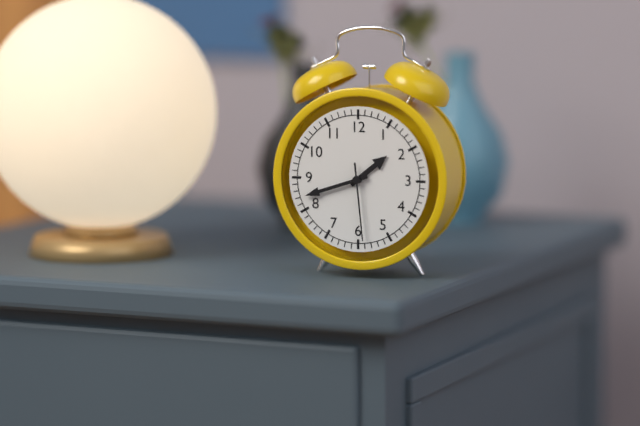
1:42:29
